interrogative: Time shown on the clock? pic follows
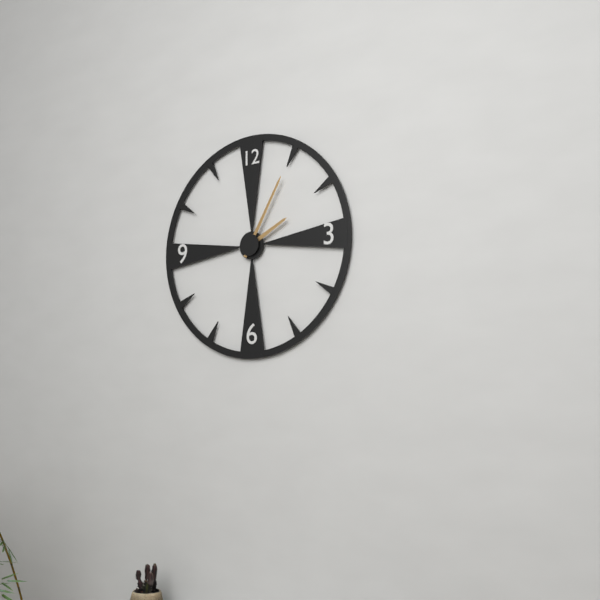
2:05
